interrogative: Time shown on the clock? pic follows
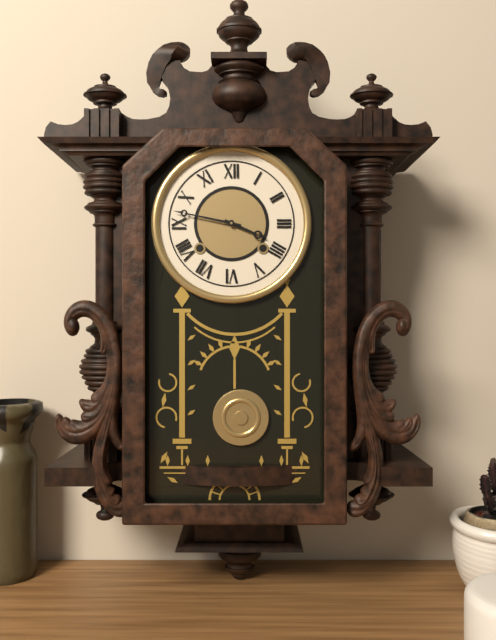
3:47
